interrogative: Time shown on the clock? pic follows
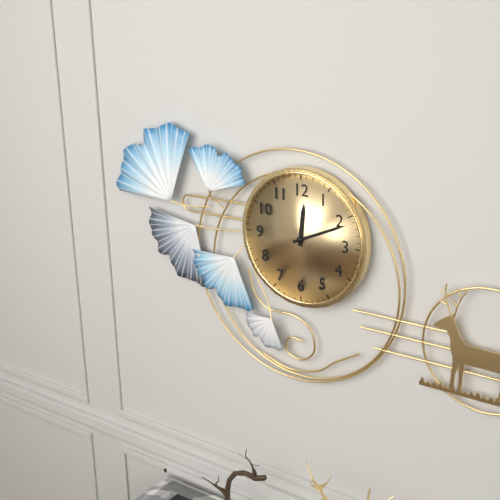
12:11
